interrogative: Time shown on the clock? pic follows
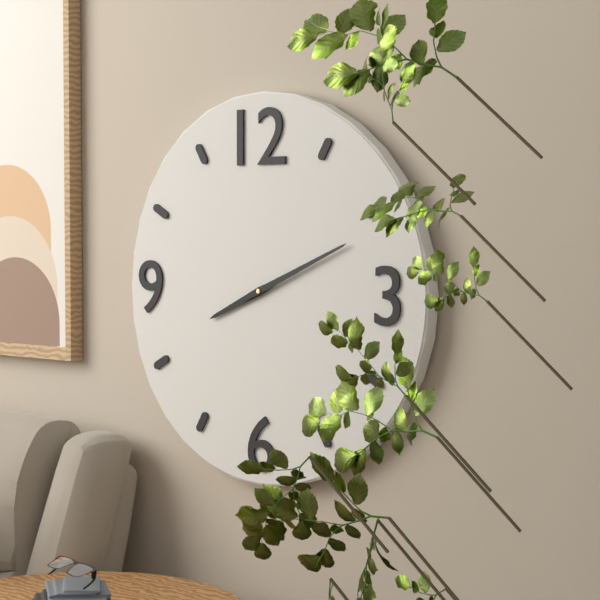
8:11
